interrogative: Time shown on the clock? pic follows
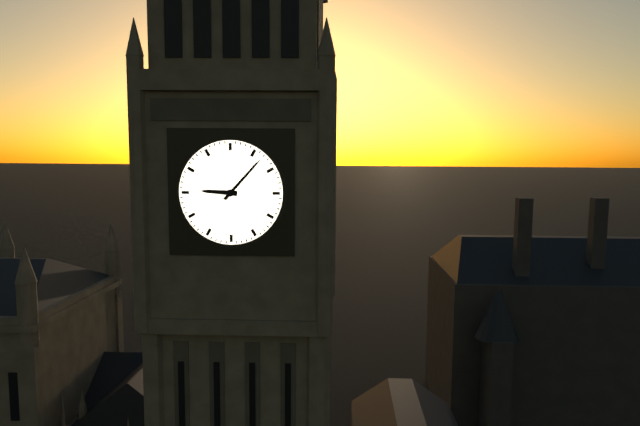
9:07
